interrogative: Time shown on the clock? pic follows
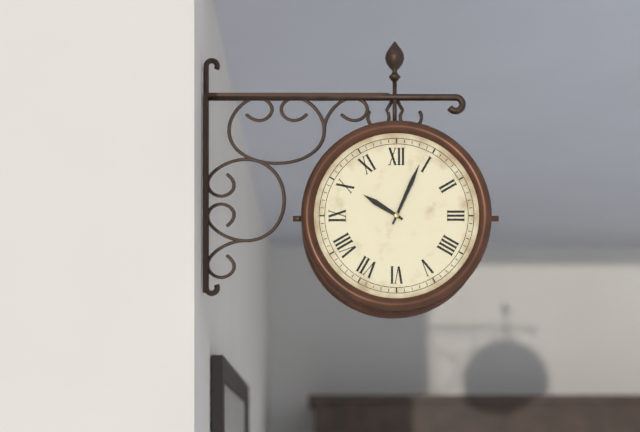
10:04
